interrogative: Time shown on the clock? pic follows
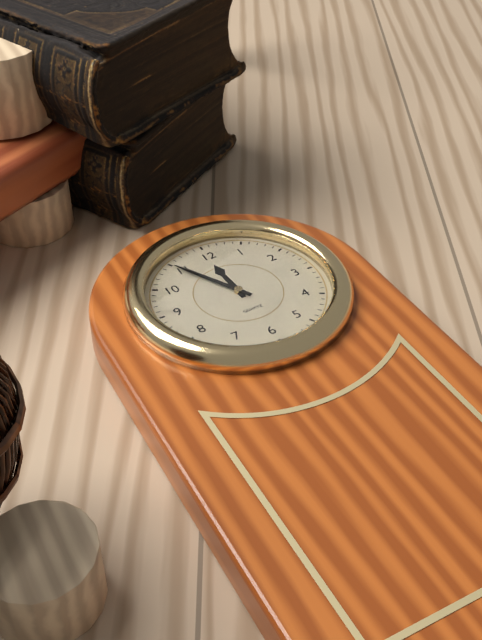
11:55
